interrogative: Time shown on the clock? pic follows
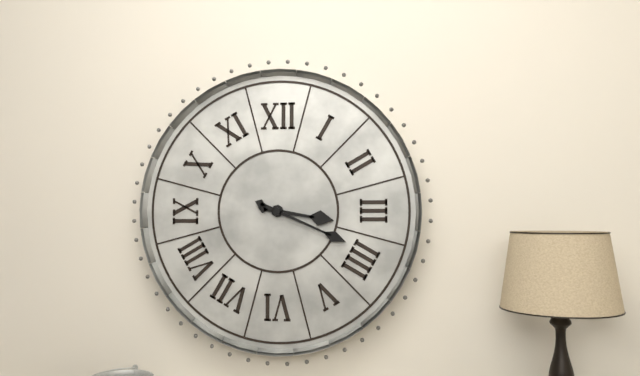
3:19
